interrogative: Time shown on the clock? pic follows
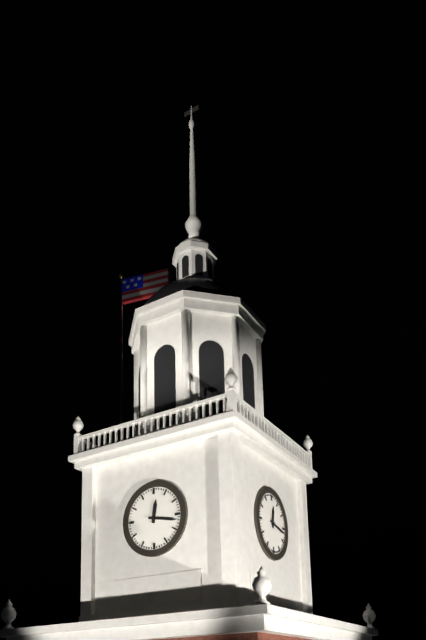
12:17
